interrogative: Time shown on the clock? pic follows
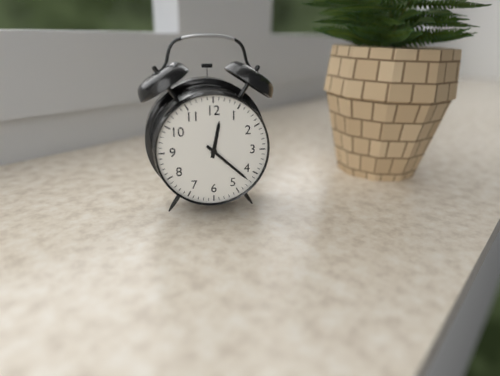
12:22
